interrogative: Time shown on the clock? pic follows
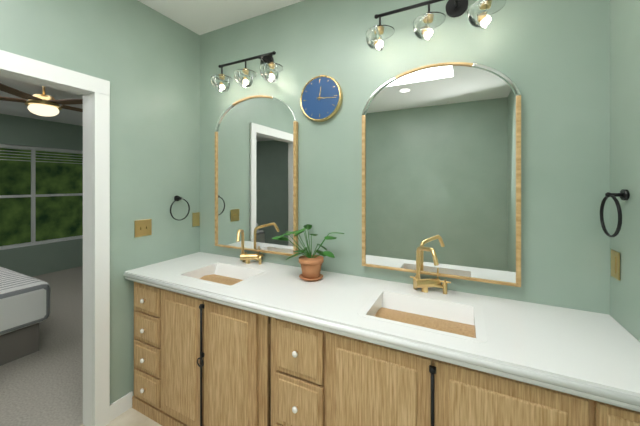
12:16
